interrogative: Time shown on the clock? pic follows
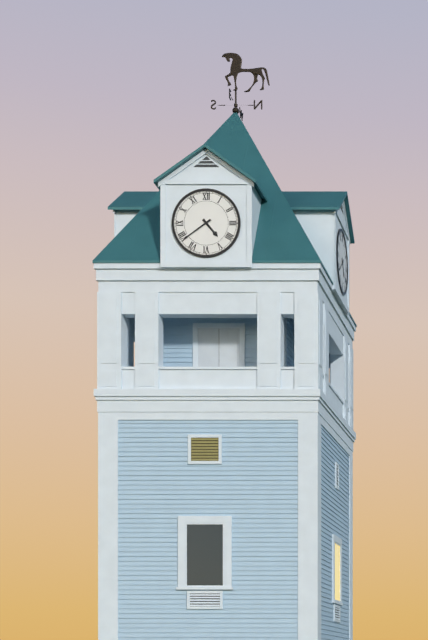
4:39
